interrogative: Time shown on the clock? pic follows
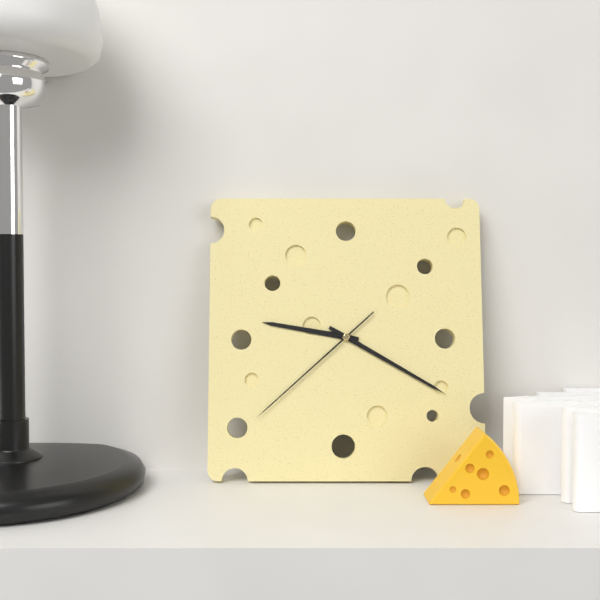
9:20:38
